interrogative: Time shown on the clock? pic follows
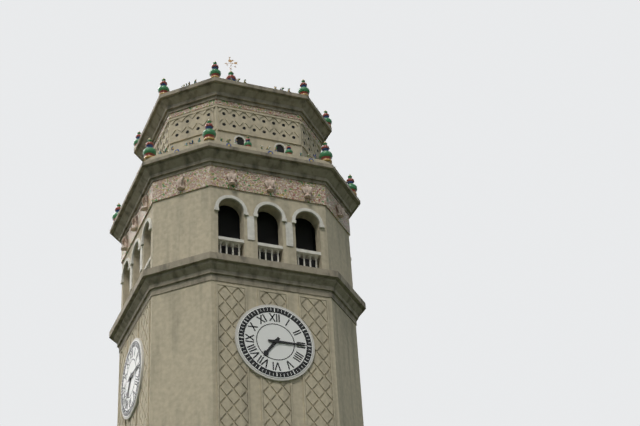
7:15
